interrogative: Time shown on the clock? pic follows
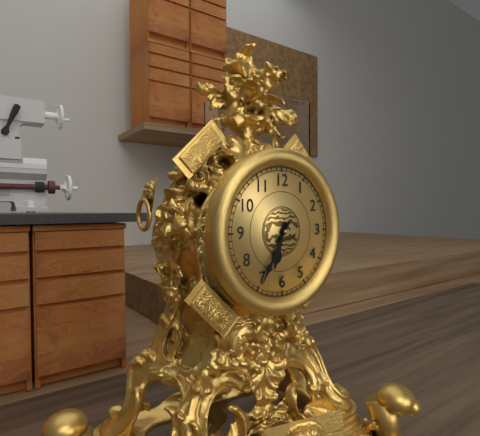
6:35
